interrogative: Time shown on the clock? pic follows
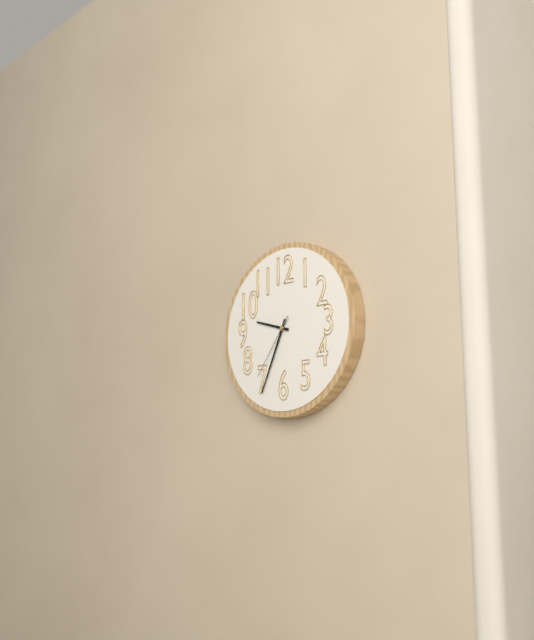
9:34:36
